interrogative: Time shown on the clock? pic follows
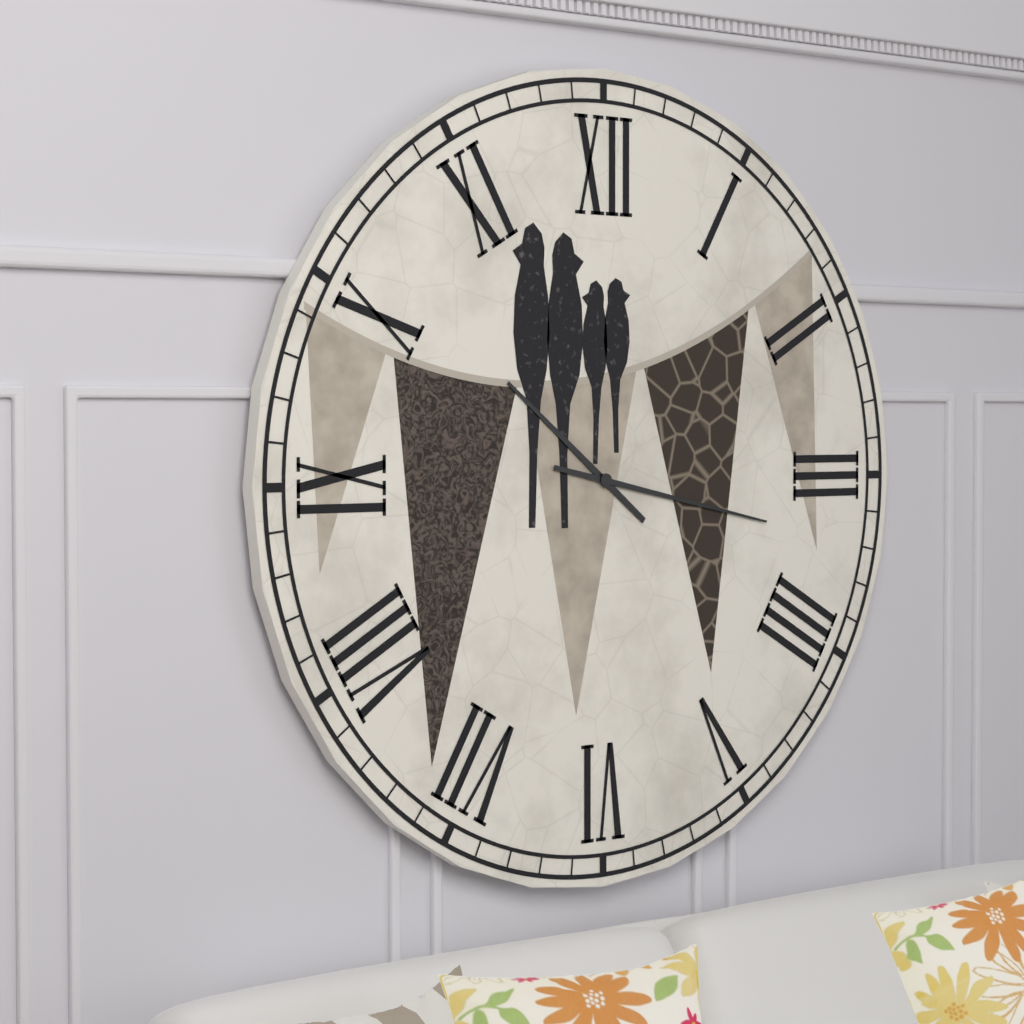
10:17
